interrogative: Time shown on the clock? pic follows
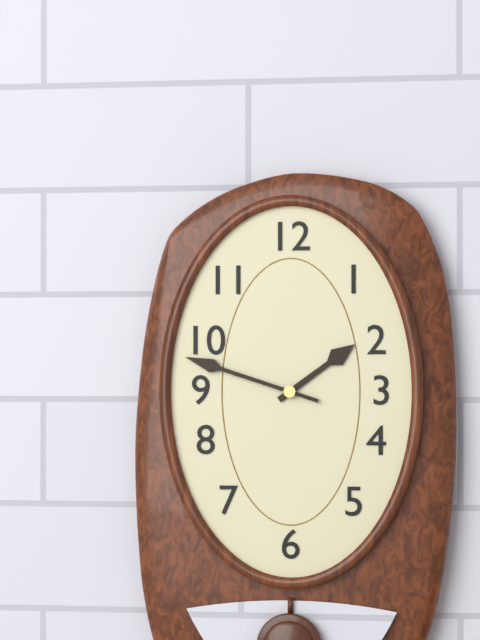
1:48
